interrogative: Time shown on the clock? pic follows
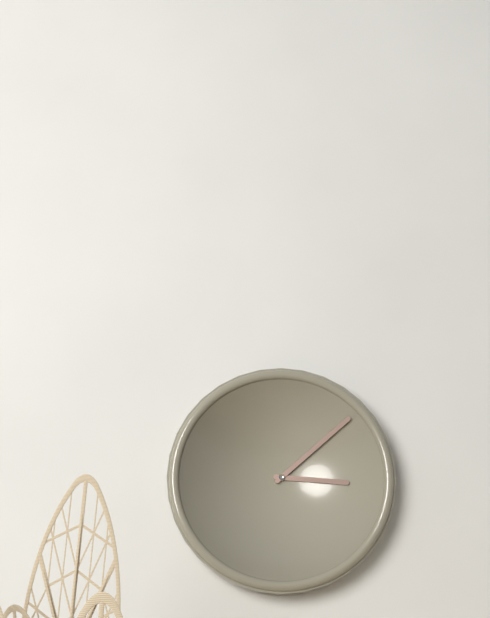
3:08
